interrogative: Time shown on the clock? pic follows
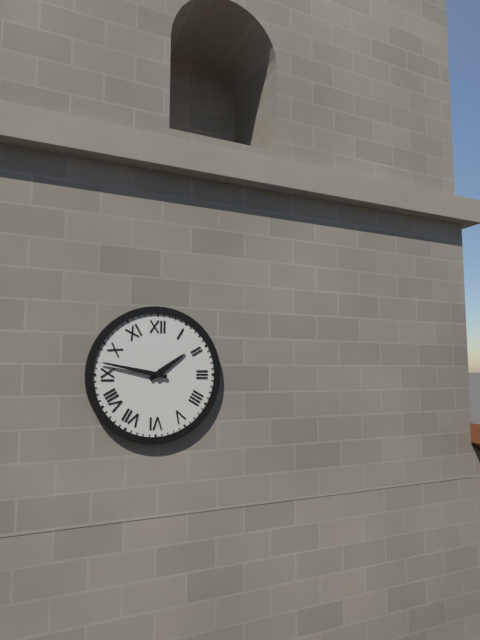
1:47
